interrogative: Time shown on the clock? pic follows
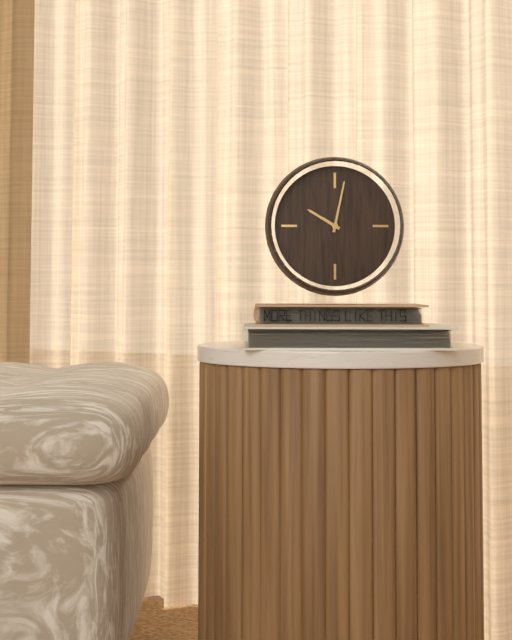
10:02
